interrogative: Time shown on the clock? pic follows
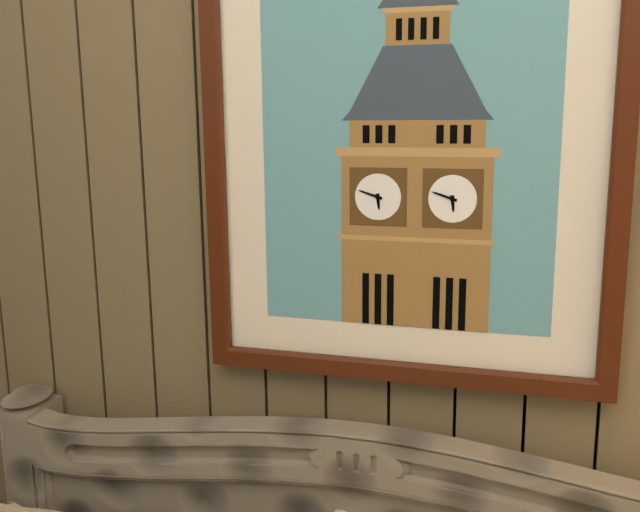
5:48
